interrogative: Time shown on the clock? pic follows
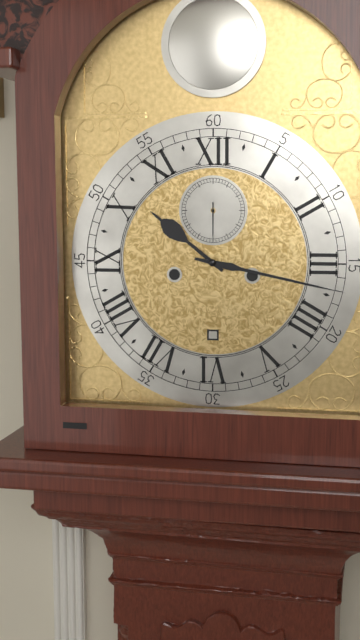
10:17
